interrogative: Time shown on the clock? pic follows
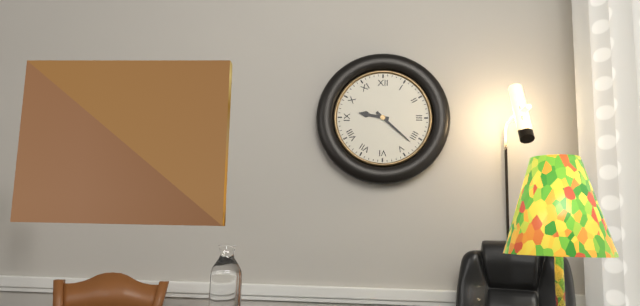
9:22
